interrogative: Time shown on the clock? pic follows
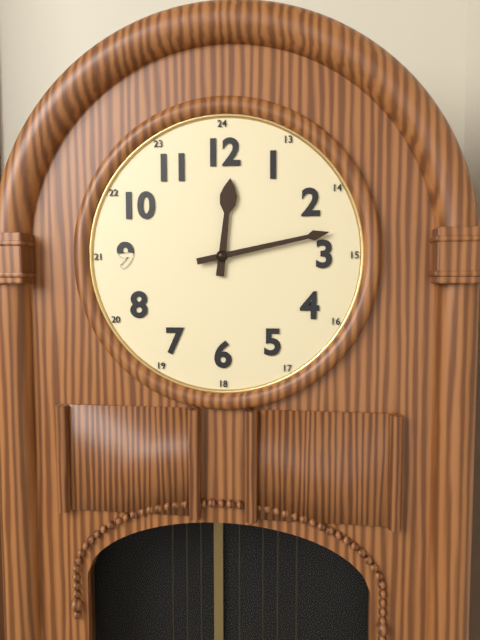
12:13
